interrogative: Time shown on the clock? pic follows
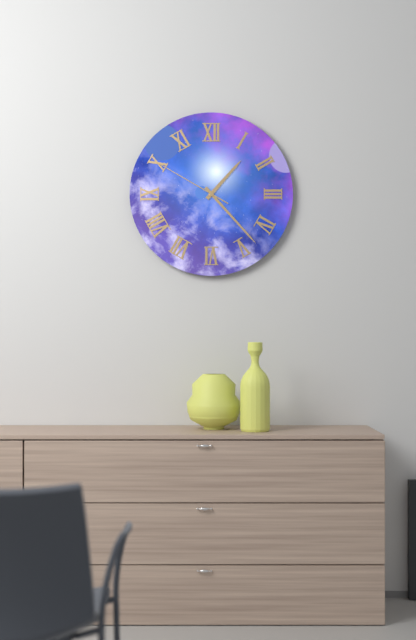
1:23:50
